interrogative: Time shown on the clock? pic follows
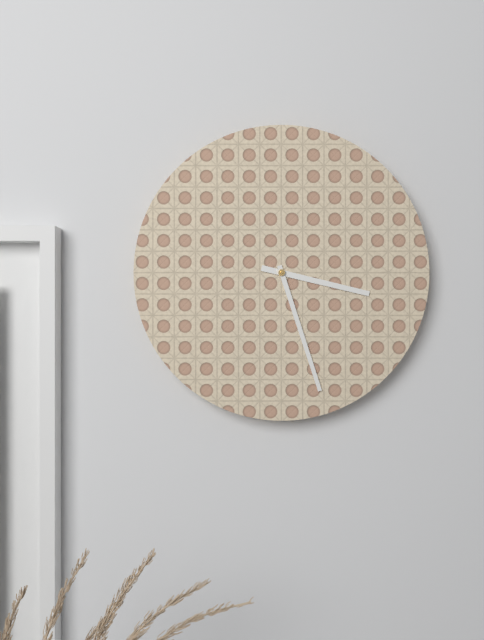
3:27
